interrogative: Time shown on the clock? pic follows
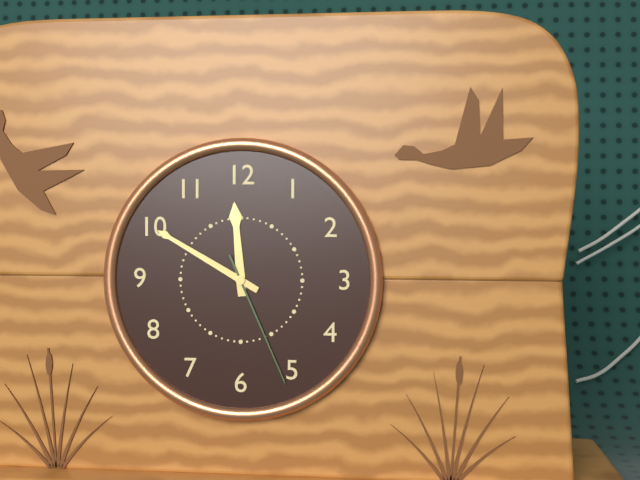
11:50:26
